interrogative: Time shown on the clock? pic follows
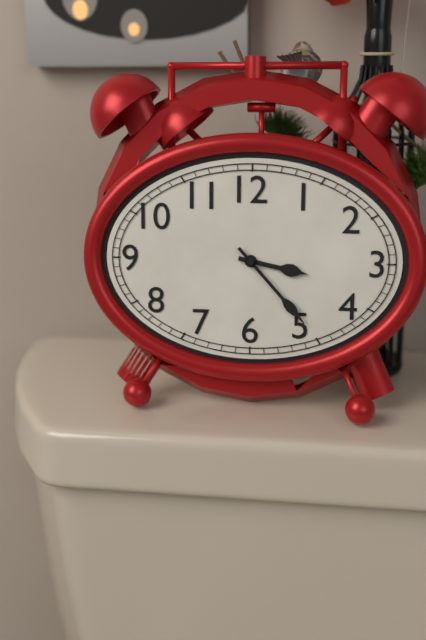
3:23
